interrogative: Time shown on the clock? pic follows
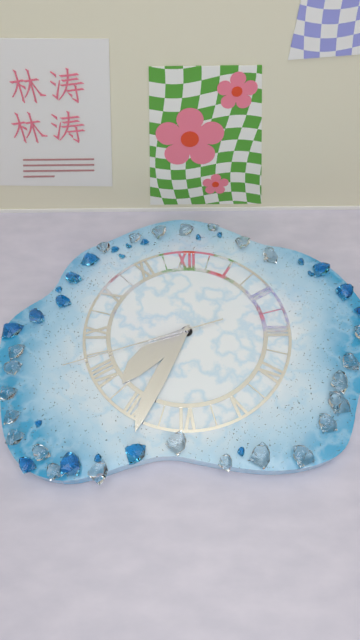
7:34:42
